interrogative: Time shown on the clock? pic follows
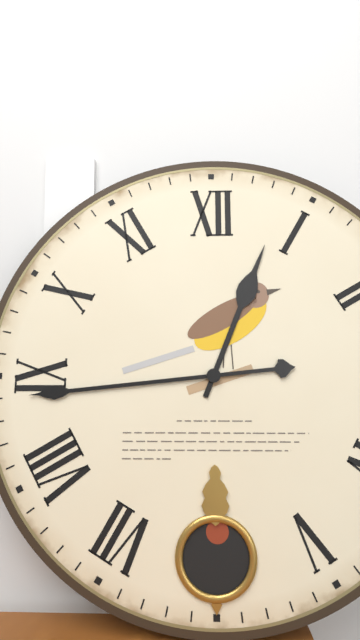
12:44
